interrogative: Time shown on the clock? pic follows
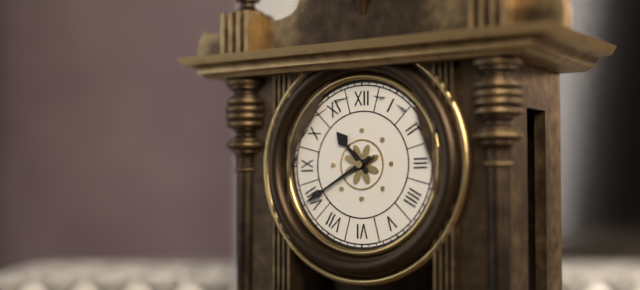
10:40
